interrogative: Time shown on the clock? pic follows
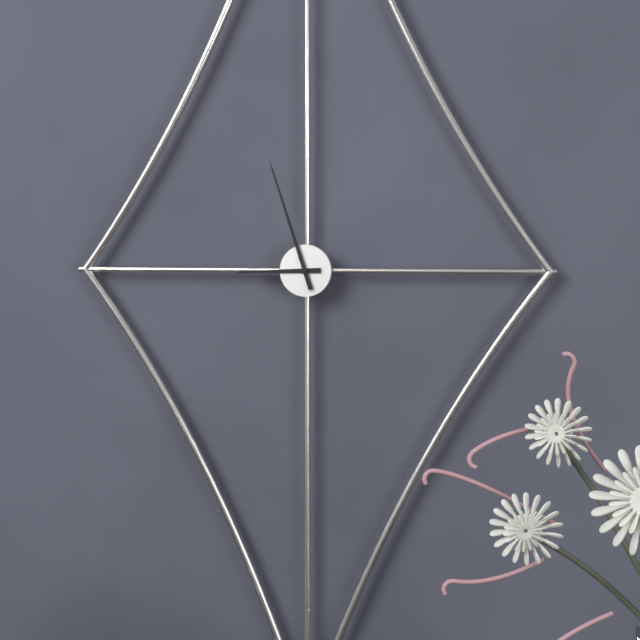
8:57
